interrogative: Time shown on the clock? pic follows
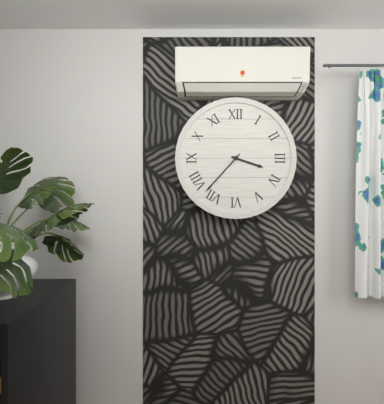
3:37
